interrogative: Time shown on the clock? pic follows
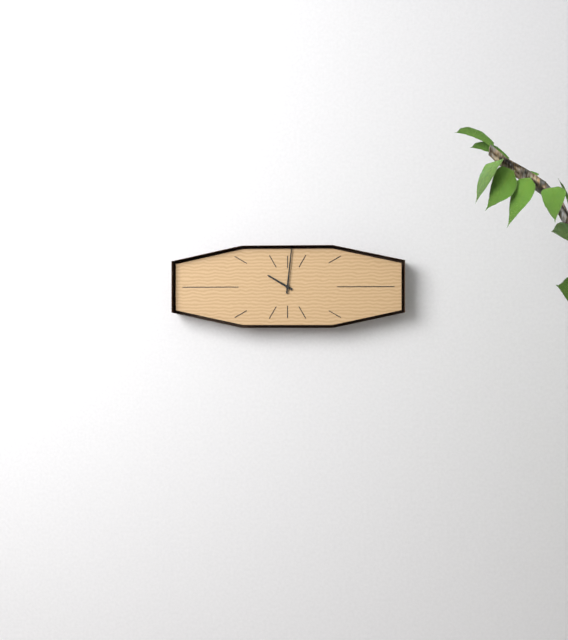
10:01
